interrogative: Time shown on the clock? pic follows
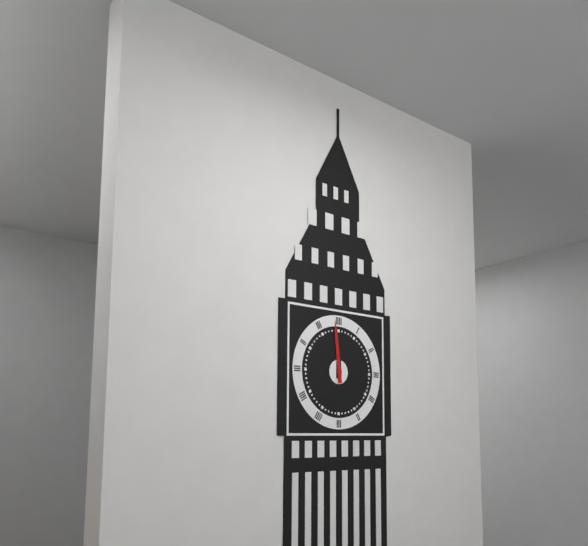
11:59
